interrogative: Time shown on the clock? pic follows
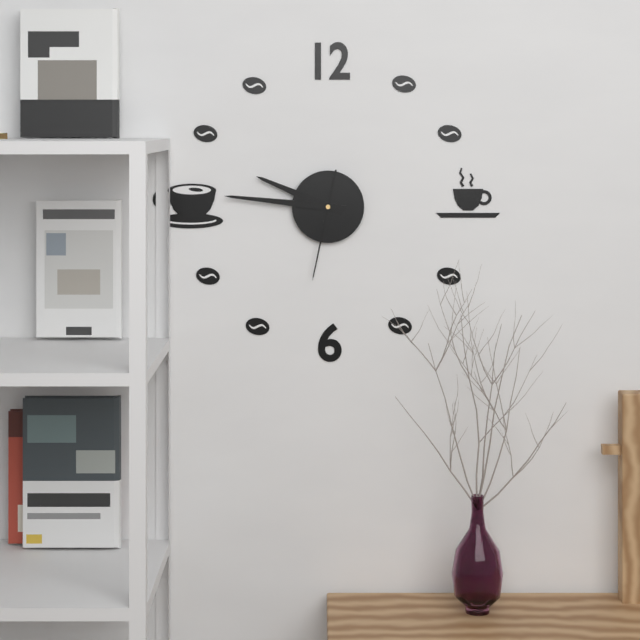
9:46:32
